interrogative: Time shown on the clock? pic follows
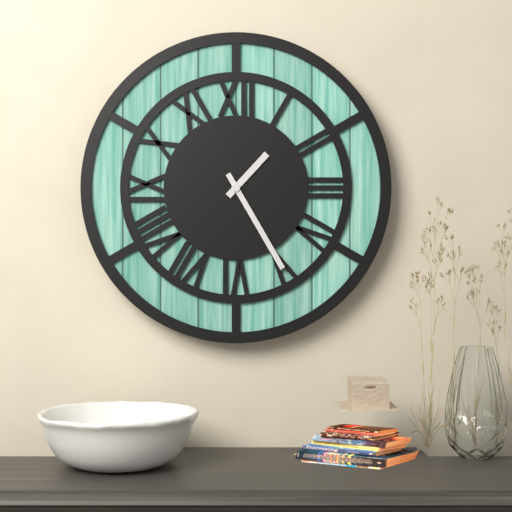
1:25
